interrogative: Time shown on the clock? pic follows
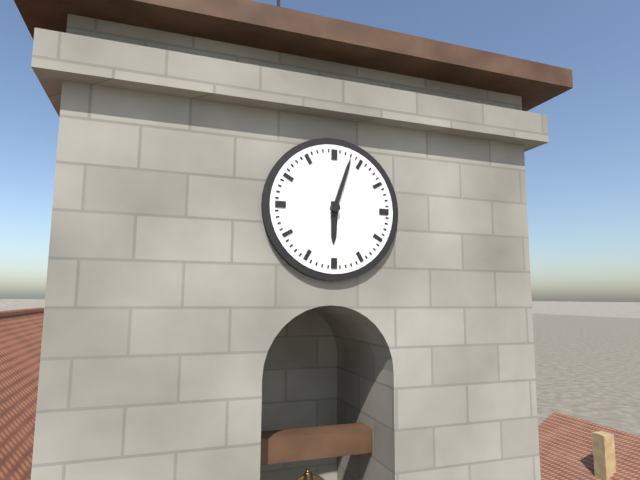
6:03
